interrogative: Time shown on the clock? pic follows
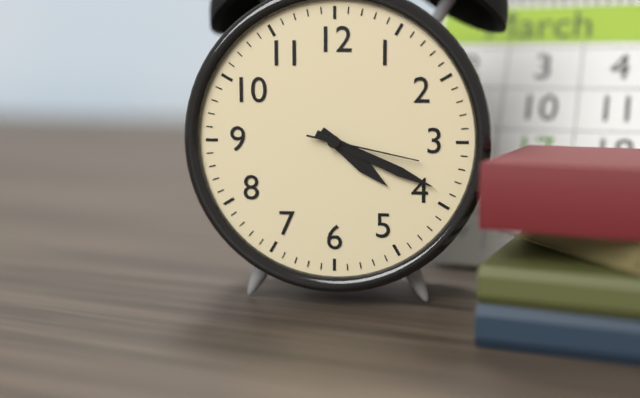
4:19:17
